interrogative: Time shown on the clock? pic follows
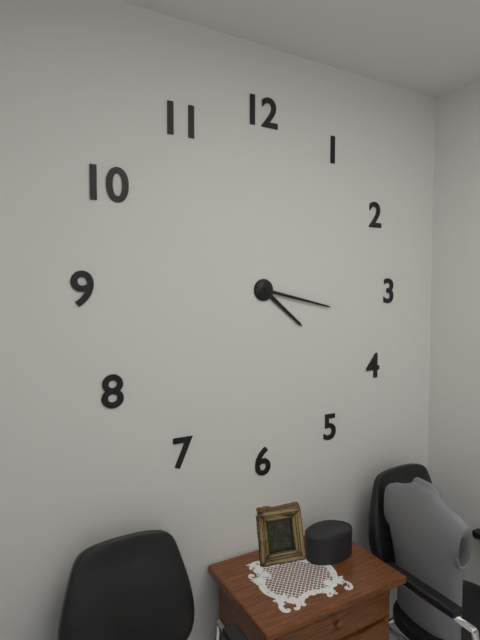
4:17
